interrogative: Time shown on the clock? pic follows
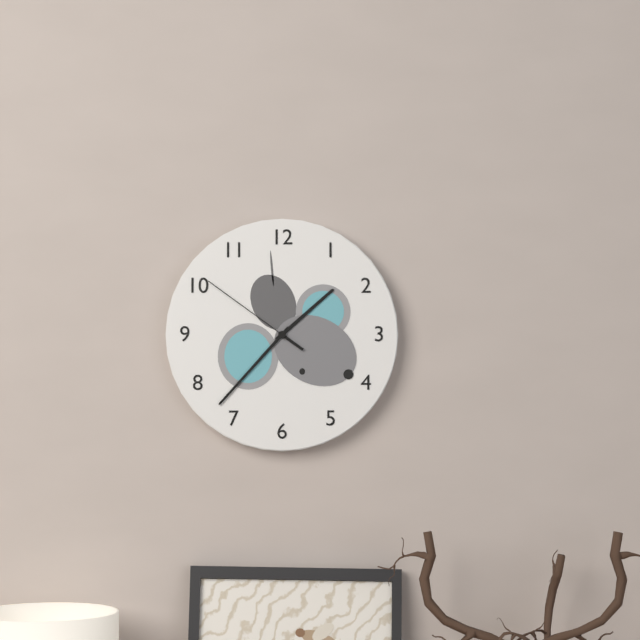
1:37:51
